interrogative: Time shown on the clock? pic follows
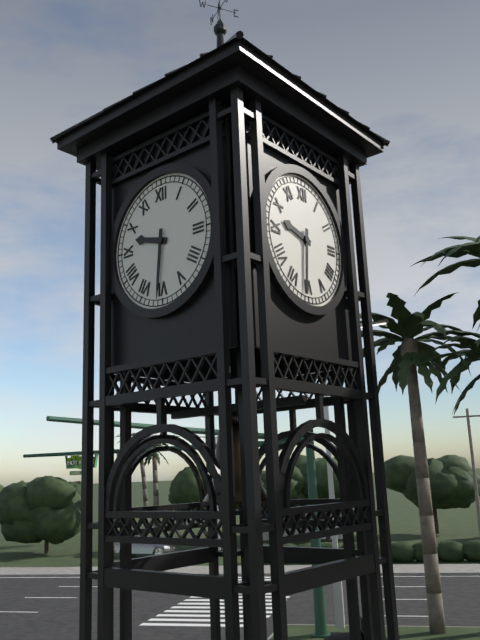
9:31
